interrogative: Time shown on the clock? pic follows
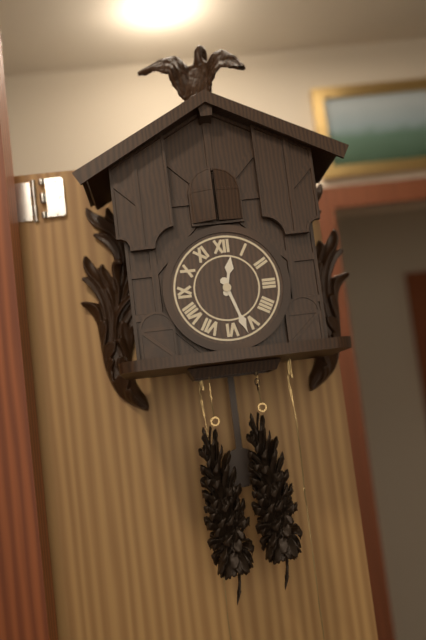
12:27
